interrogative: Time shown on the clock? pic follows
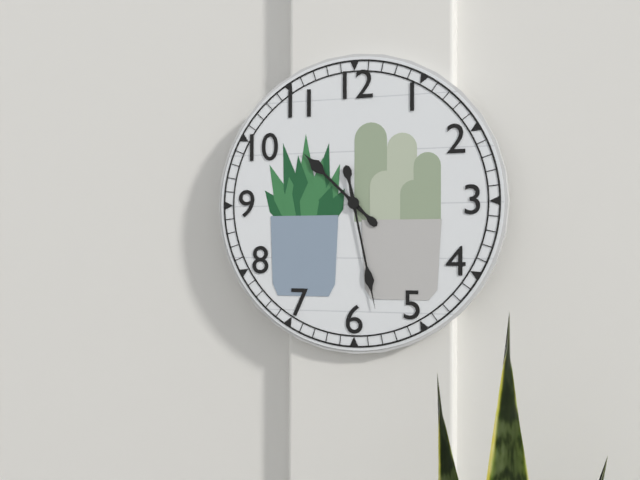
10:28
